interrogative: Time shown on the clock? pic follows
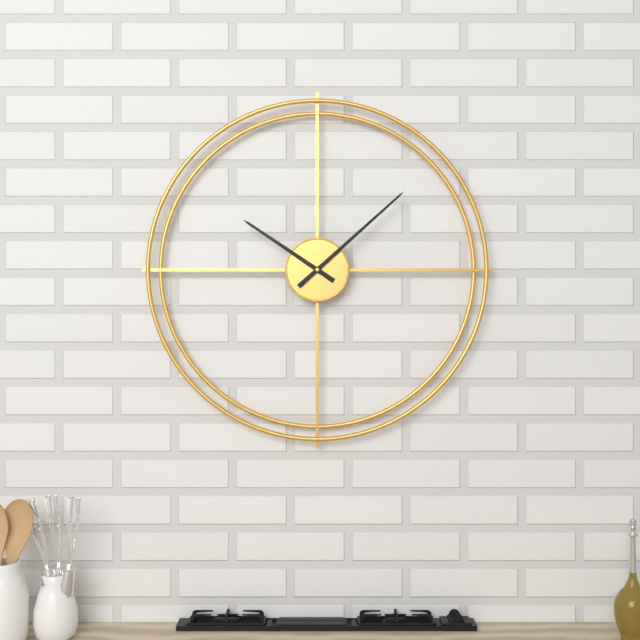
10:08
